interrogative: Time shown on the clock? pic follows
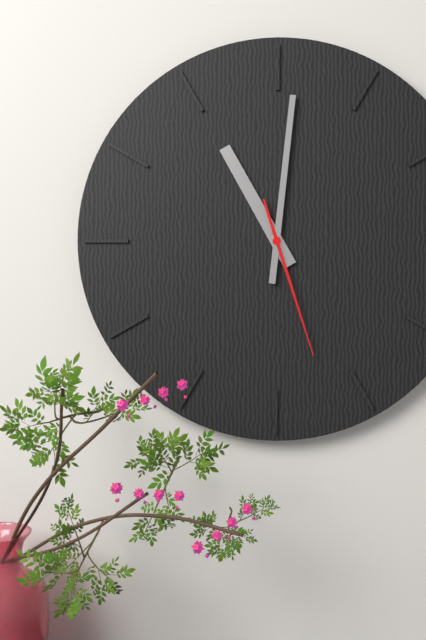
11:01:27
